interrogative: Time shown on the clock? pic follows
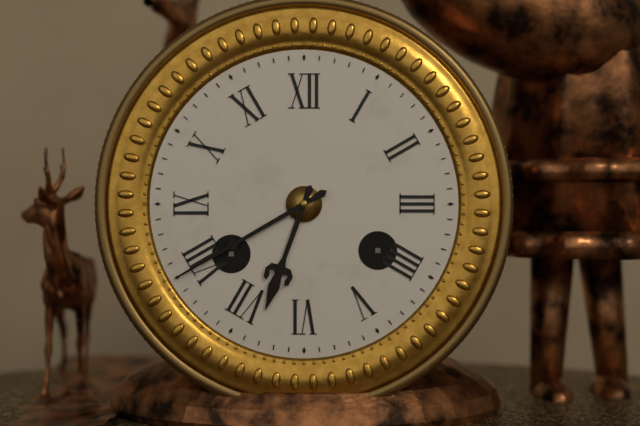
6:40
